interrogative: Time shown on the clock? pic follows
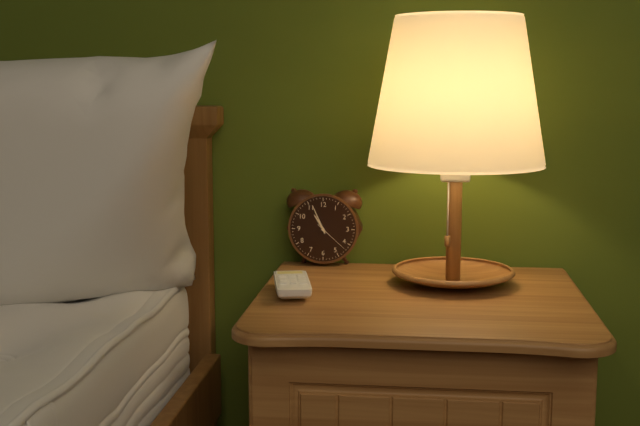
10:56
